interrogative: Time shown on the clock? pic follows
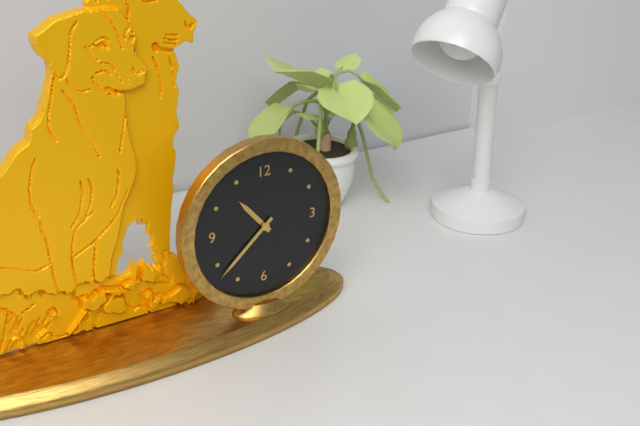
10:38
